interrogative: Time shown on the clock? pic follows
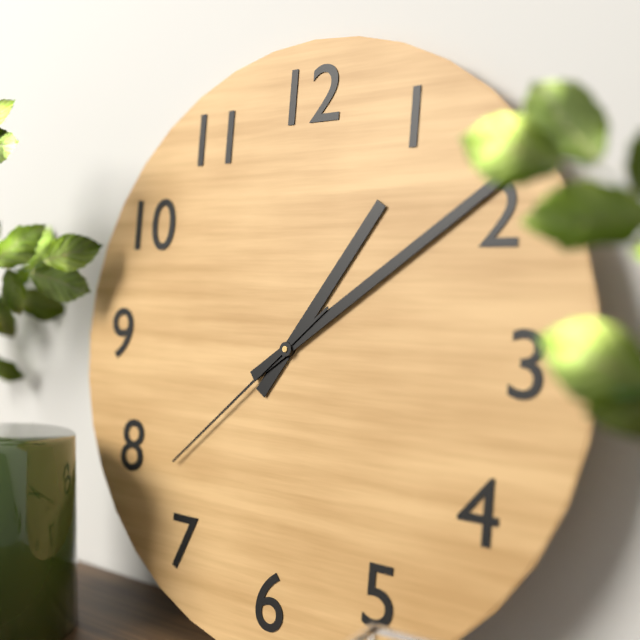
1:09:38
